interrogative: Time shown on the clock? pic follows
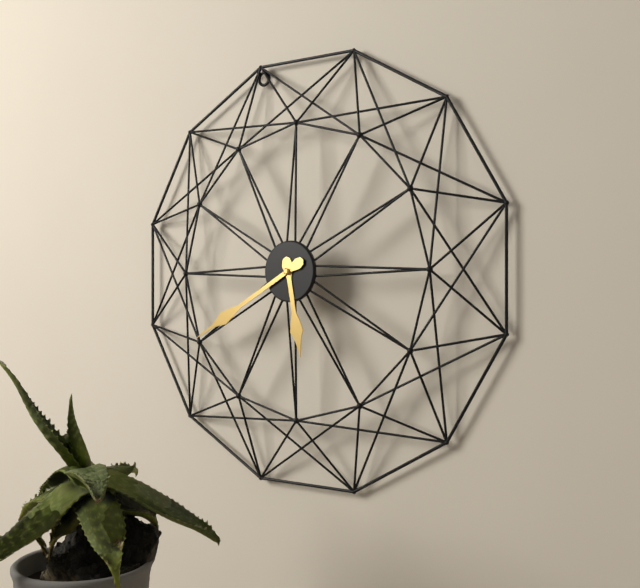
5:40
